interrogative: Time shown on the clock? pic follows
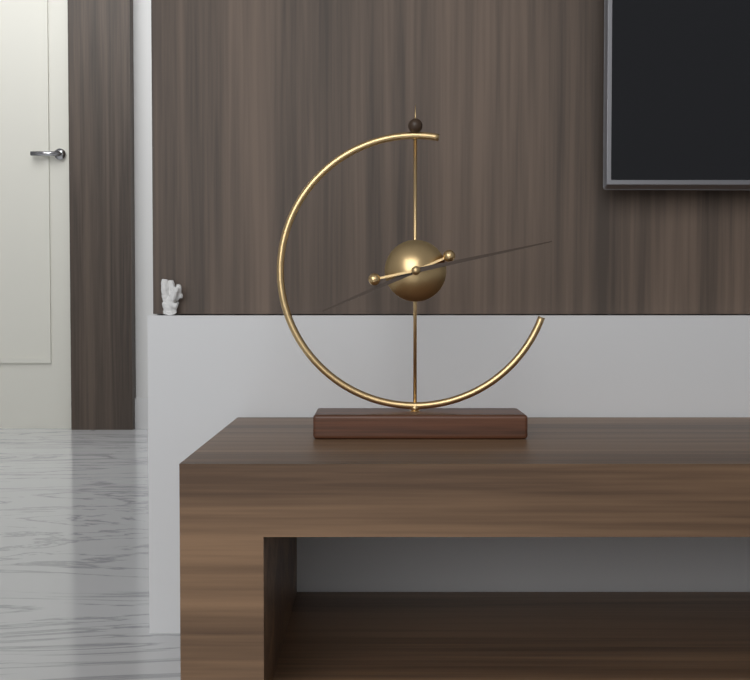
8:13
